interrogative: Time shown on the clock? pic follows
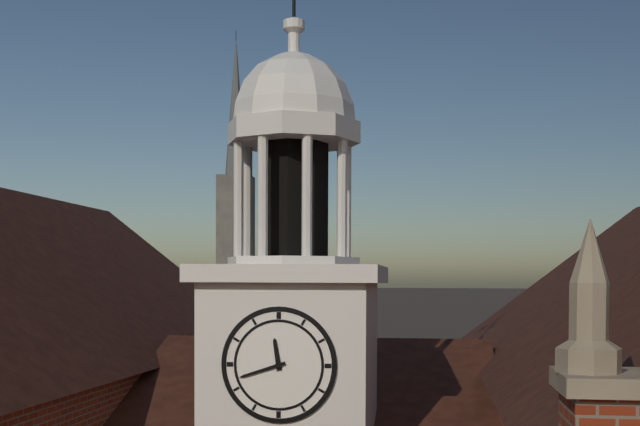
11:42
